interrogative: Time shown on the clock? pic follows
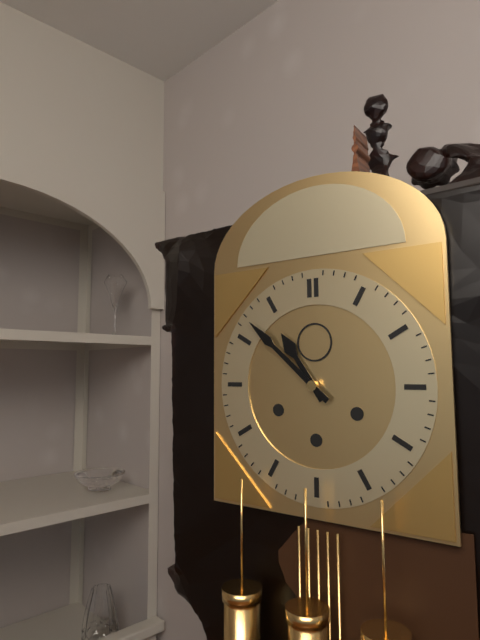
10:52
